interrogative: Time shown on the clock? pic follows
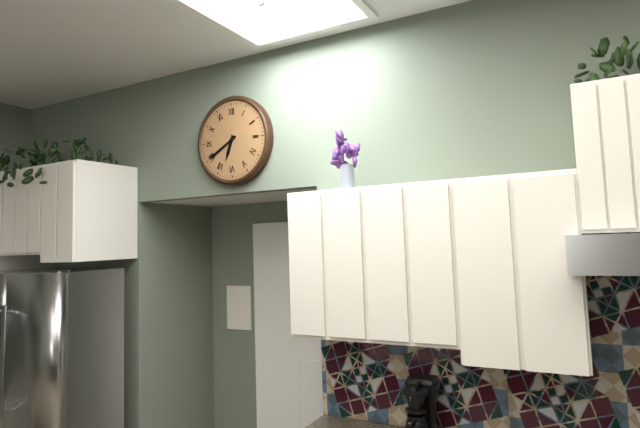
6:40
